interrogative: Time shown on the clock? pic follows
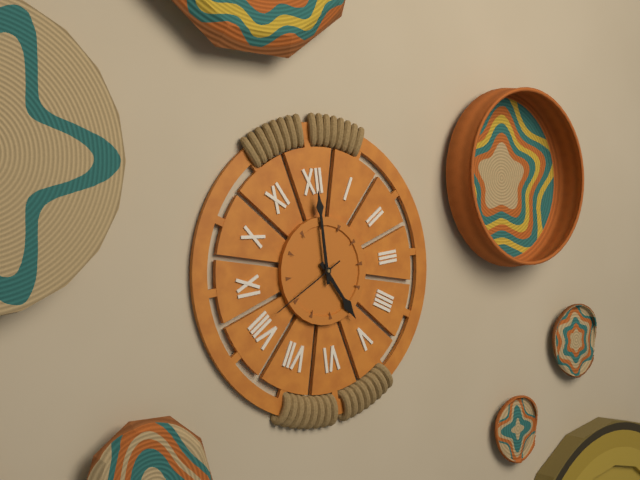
5:00:41
